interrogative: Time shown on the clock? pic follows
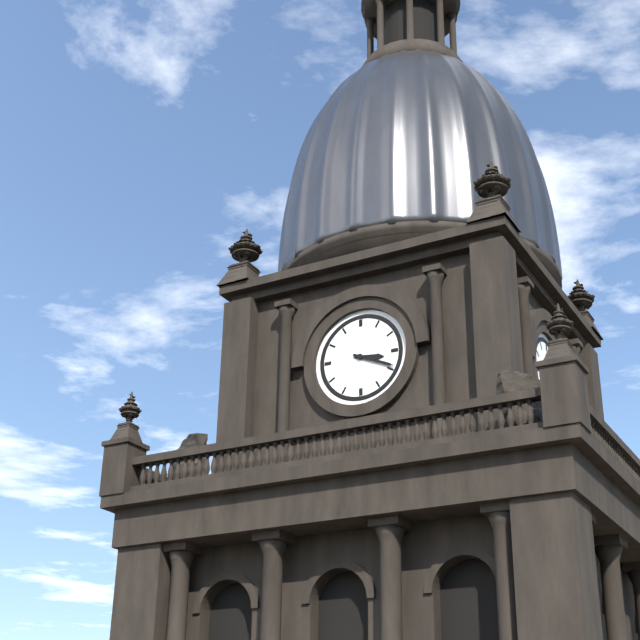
3:19
